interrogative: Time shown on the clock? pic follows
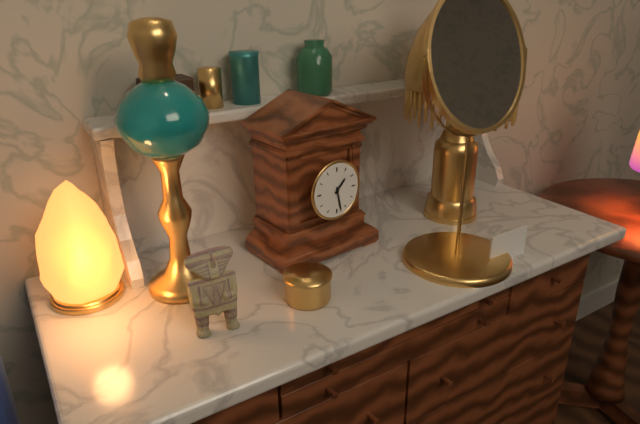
1:28
